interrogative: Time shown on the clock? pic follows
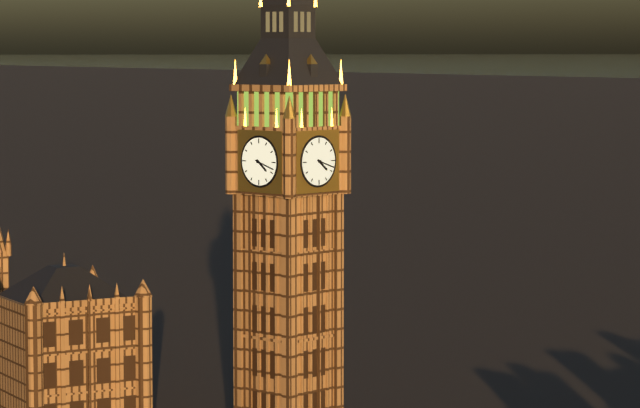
4:18
